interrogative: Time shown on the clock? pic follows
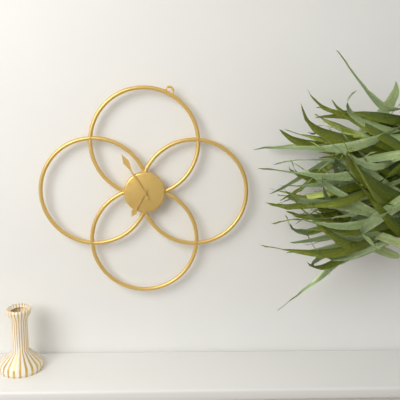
6:55
